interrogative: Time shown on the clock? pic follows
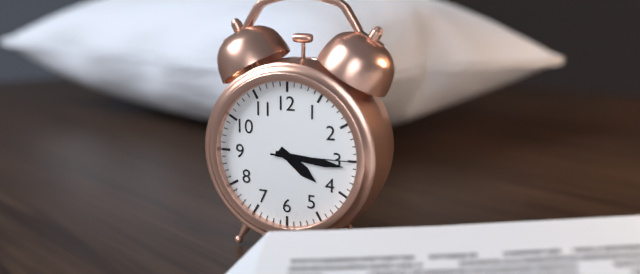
4:16:15
